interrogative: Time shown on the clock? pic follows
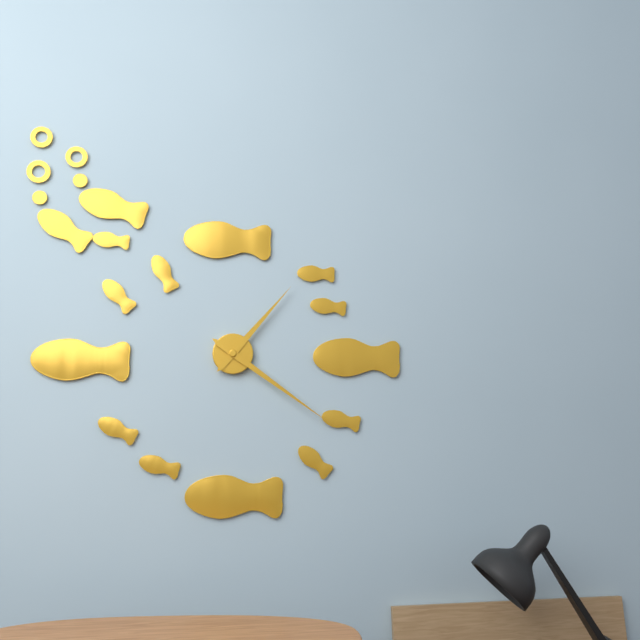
1:21
